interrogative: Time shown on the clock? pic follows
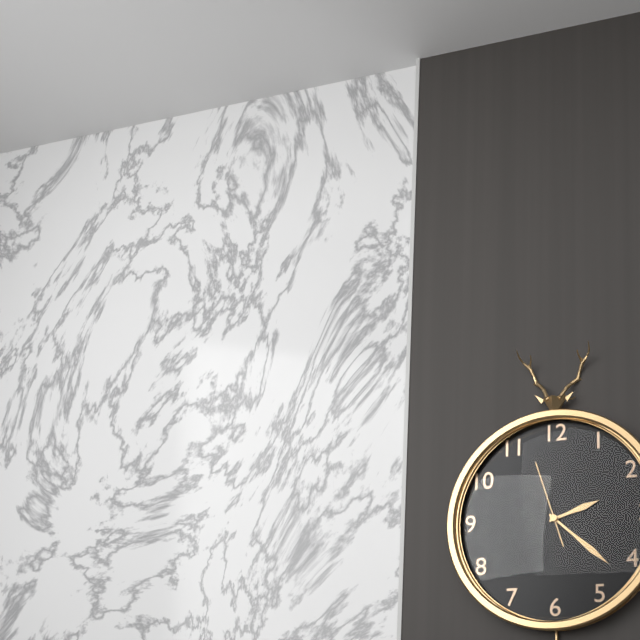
2:22:57
